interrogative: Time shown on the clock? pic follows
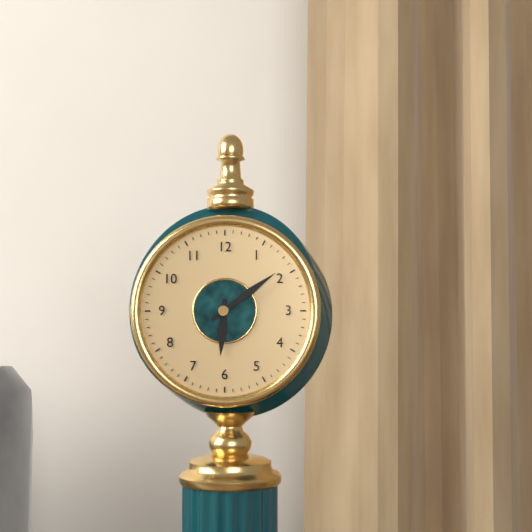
6:09
